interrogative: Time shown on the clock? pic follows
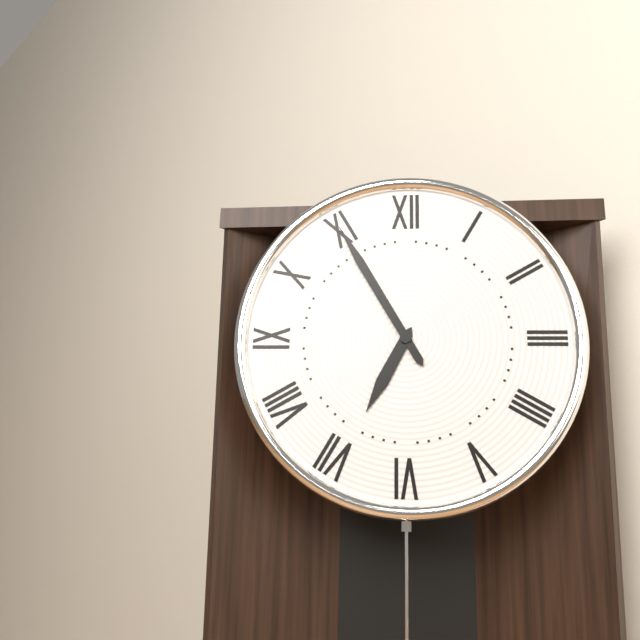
6:55
